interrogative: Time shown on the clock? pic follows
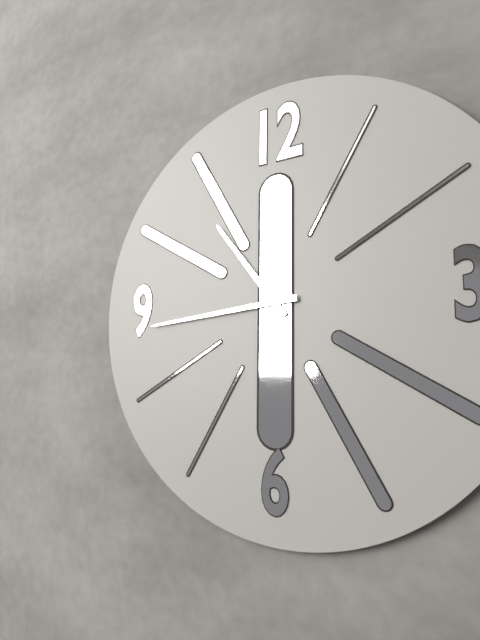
10:44
